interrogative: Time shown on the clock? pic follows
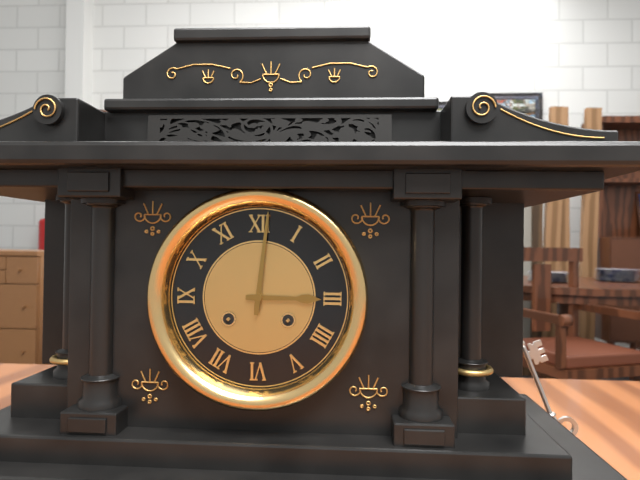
3:01
